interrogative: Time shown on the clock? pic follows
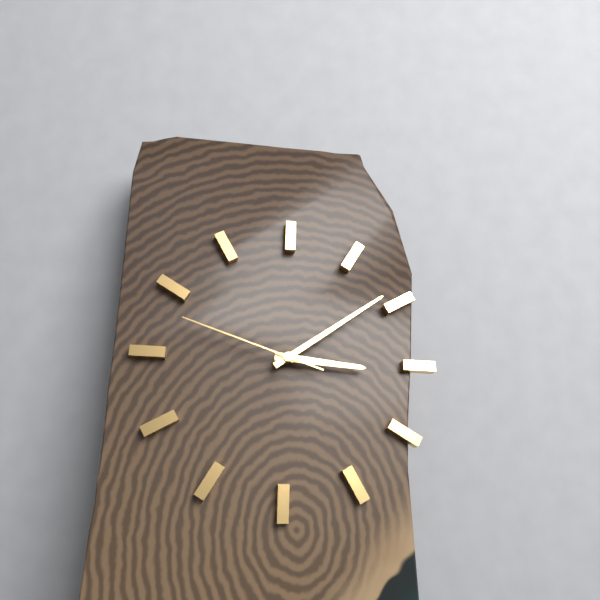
3:09:48
